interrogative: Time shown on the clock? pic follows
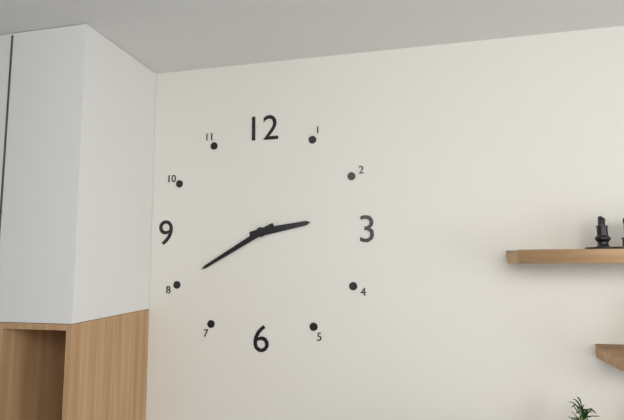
2:40
